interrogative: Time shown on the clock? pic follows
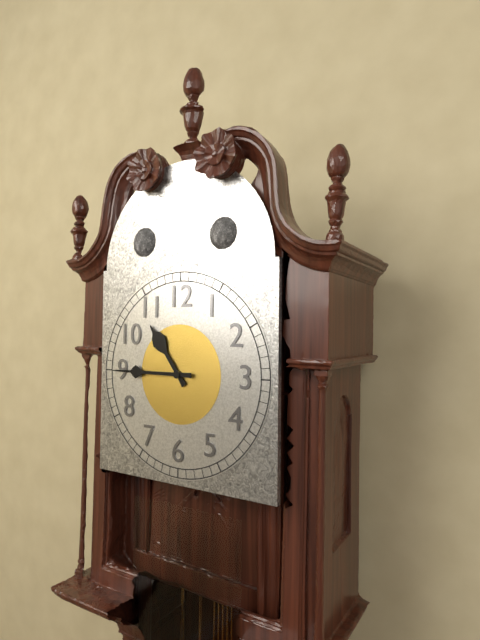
10:45
